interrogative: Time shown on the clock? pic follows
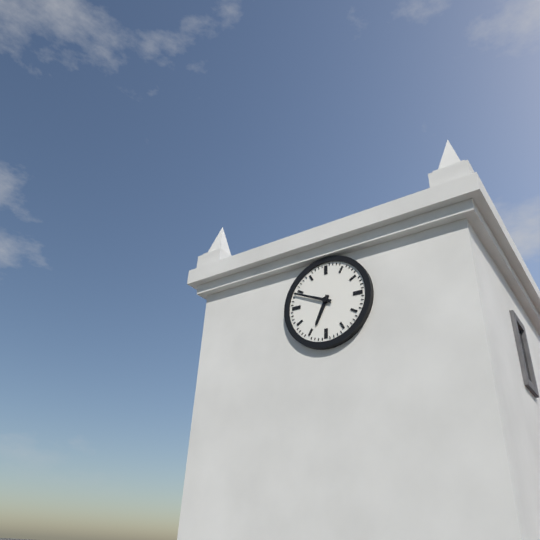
6:49
